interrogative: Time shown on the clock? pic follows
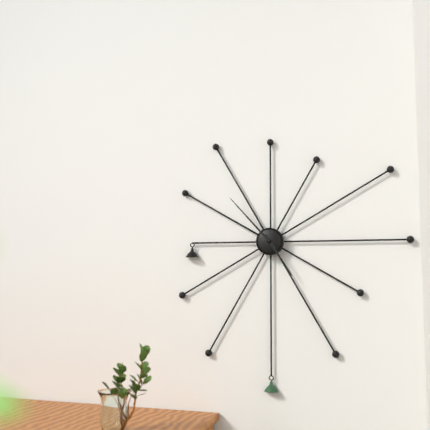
4:53
